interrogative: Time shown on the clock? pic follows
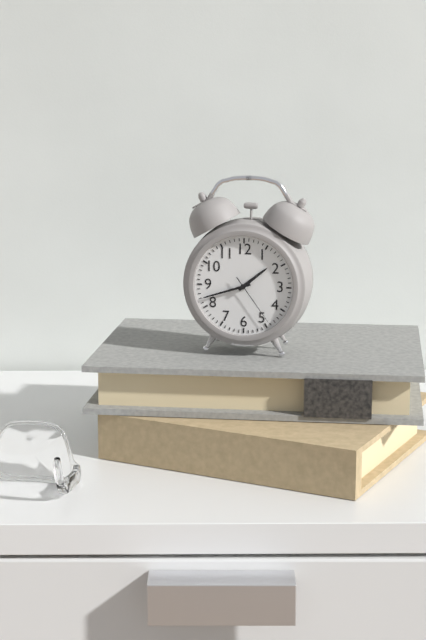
1:42:24
